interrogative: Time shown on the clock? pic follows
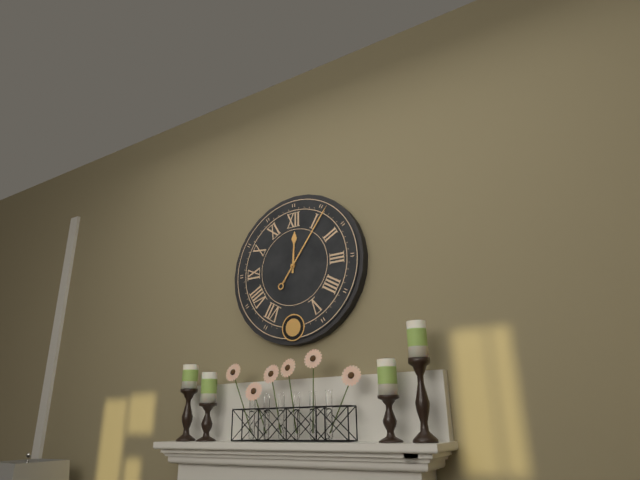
12:06
